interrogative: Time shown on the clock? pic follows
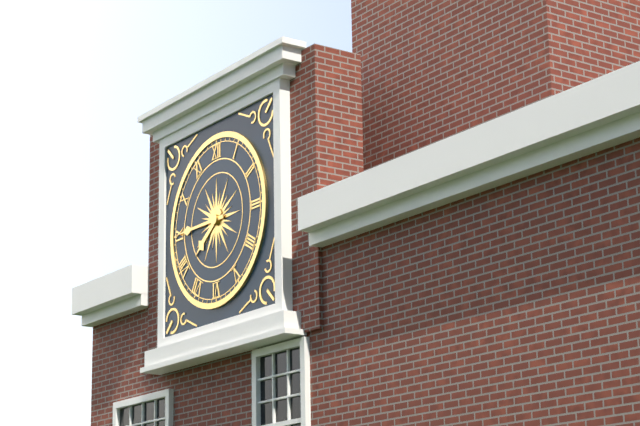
7:45
